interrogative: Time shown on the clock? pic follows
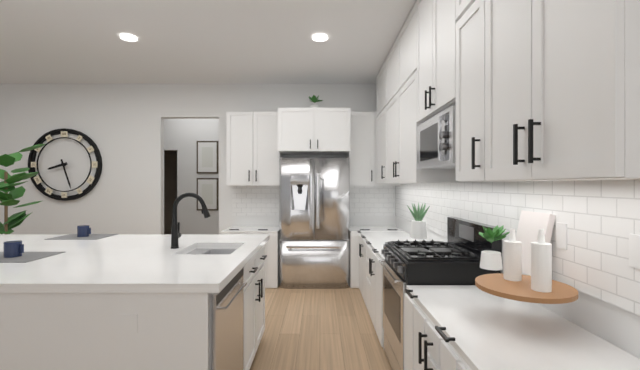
8:27
